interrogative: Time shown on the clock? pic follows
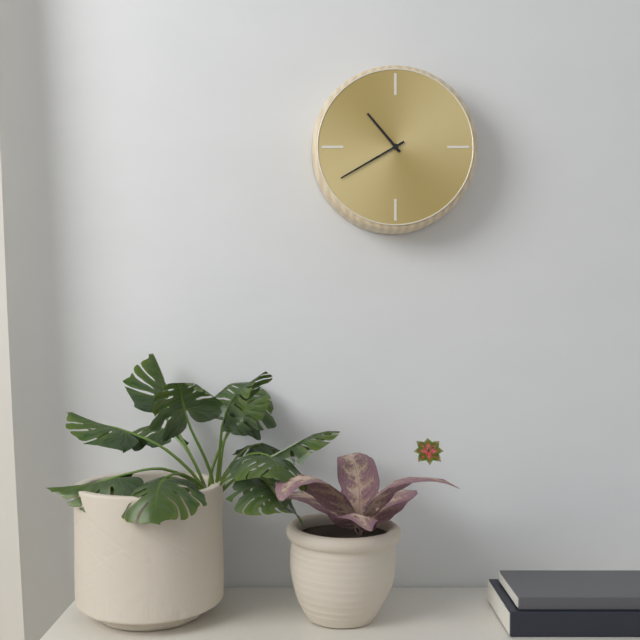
10:40
